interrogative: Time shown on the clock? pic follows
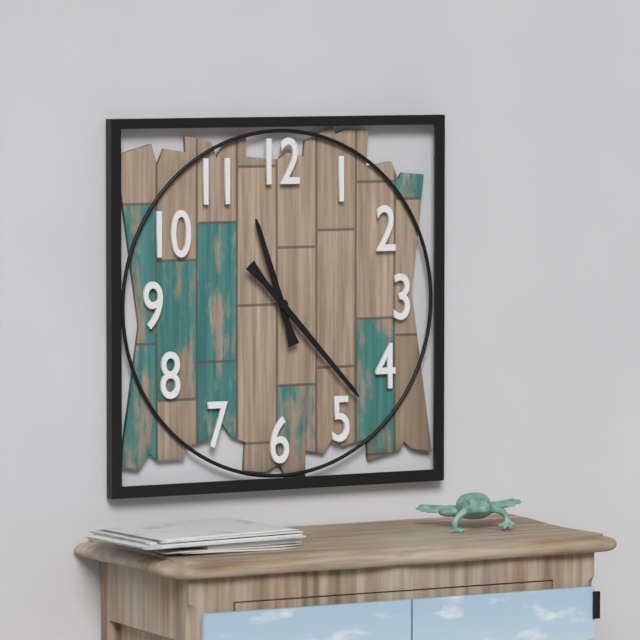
11:23
